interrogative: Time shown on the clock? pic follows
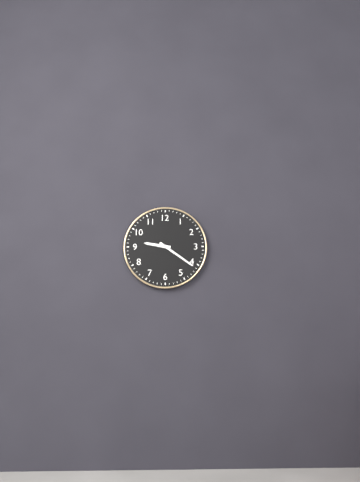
9:21
